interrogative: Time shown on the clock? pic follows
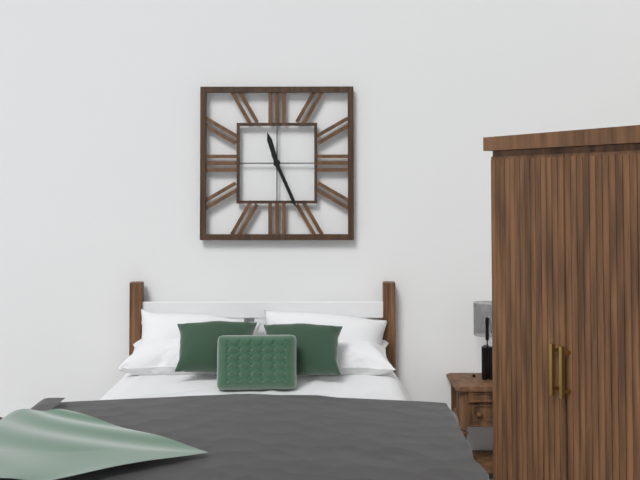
11:26
